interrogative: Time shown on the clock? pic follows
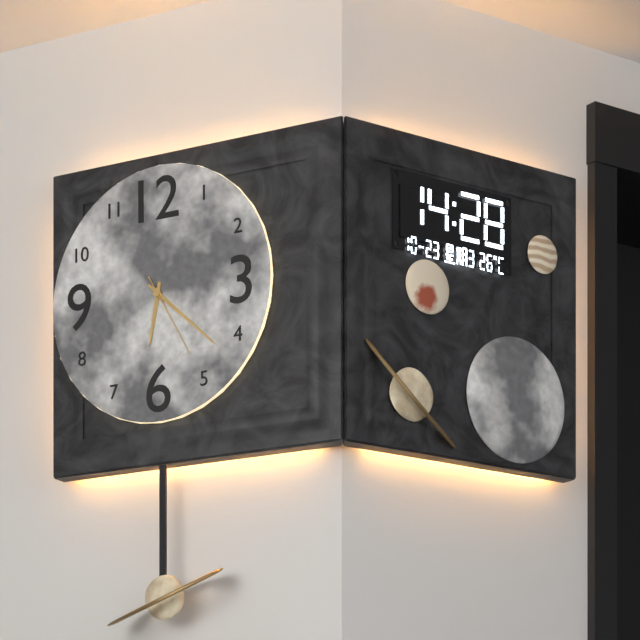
6:22:25
